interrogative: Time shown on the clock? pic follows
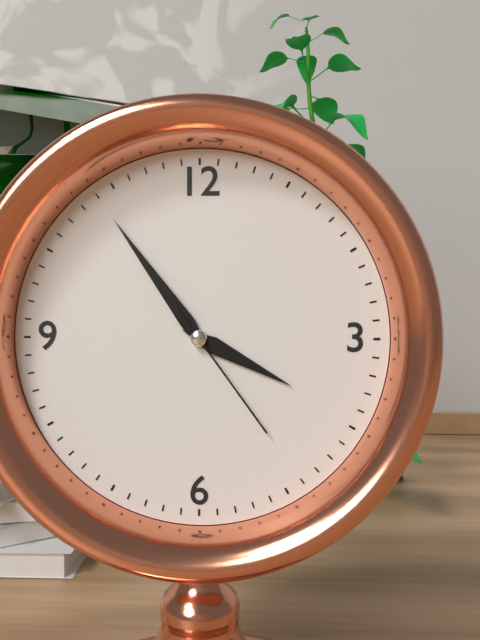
3:54:24
